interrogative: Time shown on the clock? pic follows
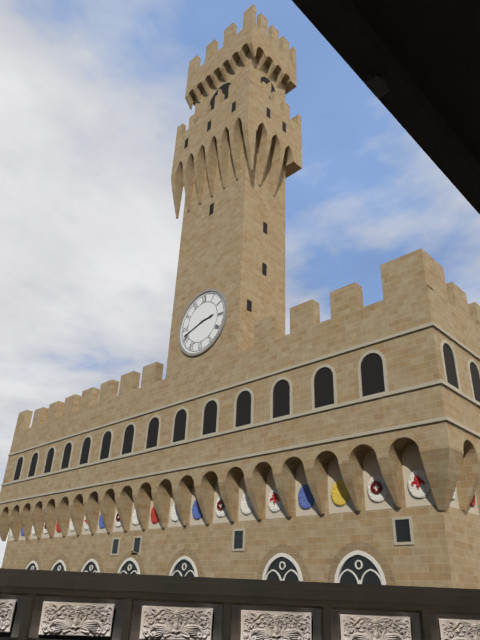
2:42
